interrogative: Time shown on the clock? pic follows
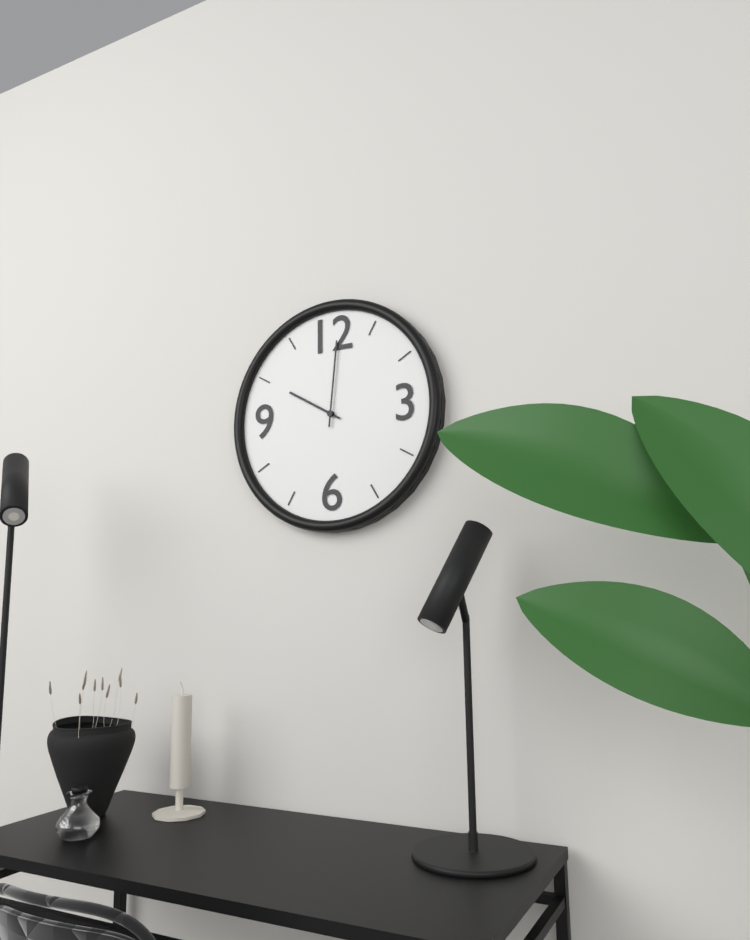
10:01
